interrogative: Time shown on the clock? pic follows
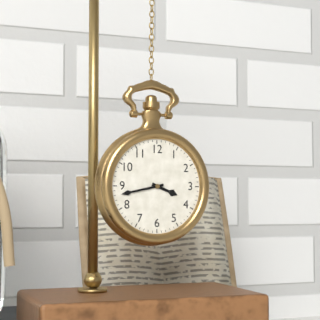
3:43
